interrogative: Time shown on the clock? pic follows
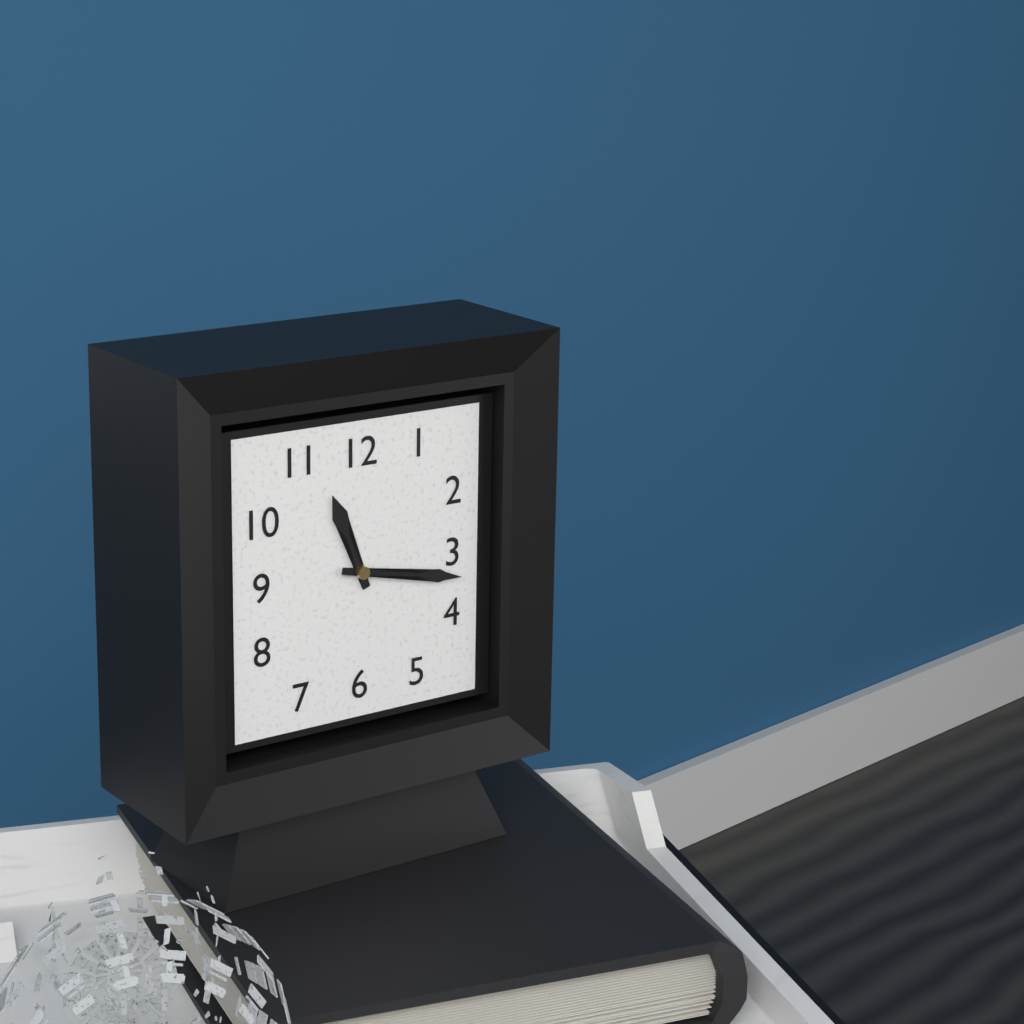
11:17
